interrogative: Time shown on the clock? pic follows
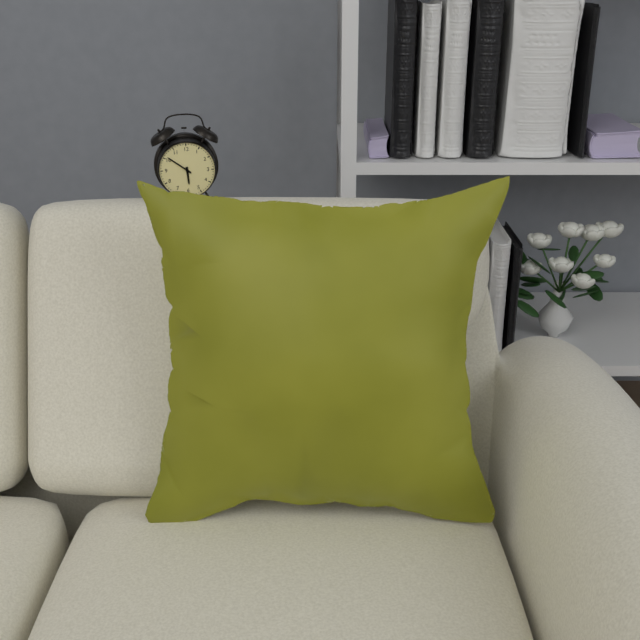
5:51
